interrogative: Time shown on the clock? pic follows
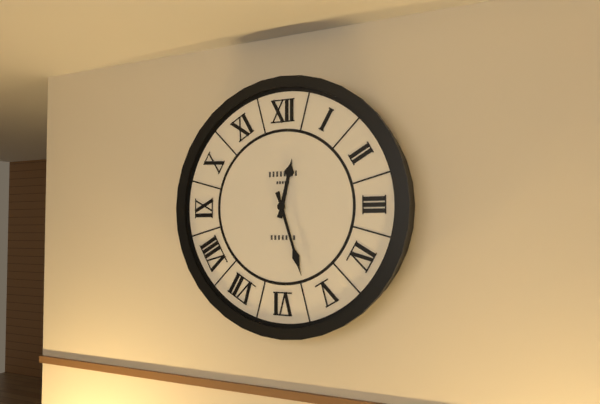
12:27
